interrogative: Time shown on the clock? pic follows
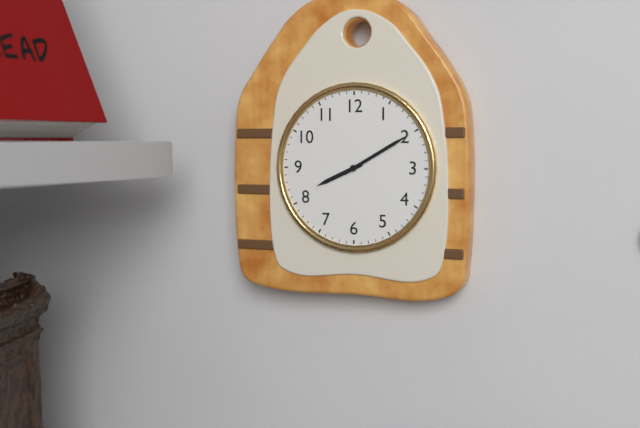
8:10
